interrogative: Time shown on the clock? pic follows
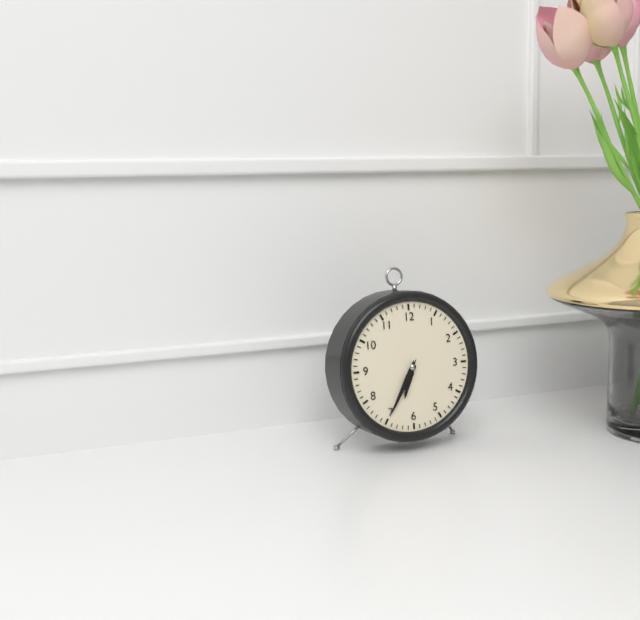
6:35
